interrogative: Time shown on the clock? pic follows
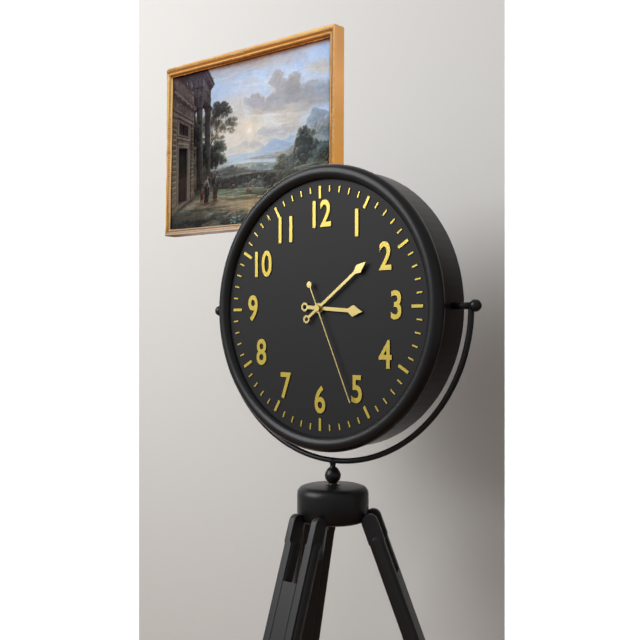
3:09:26
